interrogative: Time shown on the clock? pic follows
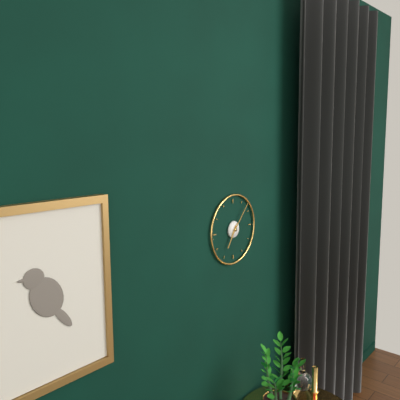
7:07
